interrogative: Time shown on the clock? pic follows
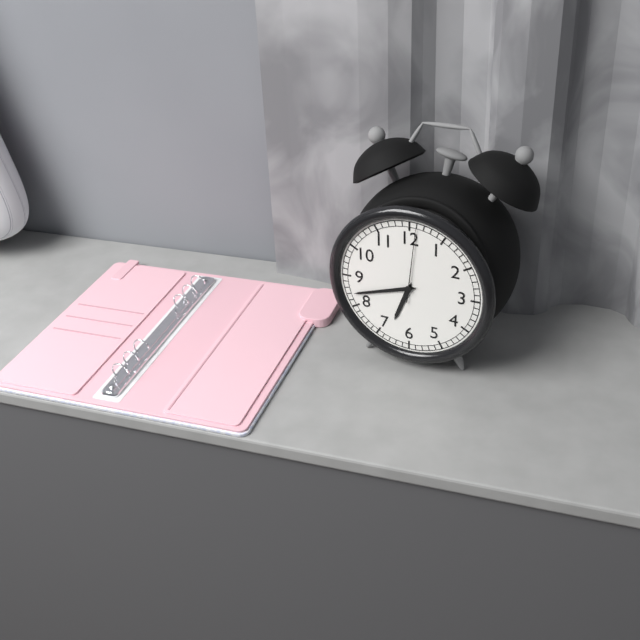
6:42:01
